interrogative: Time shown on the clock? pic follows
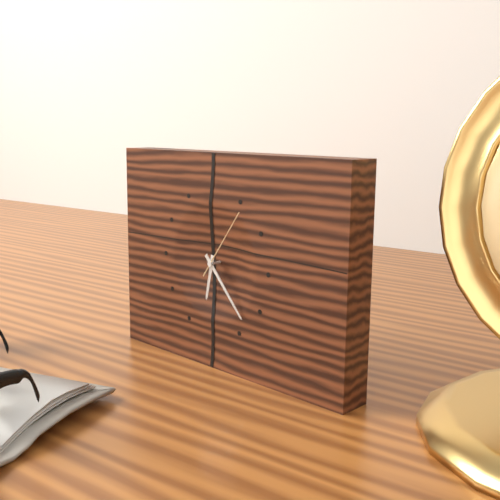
6:23:06
